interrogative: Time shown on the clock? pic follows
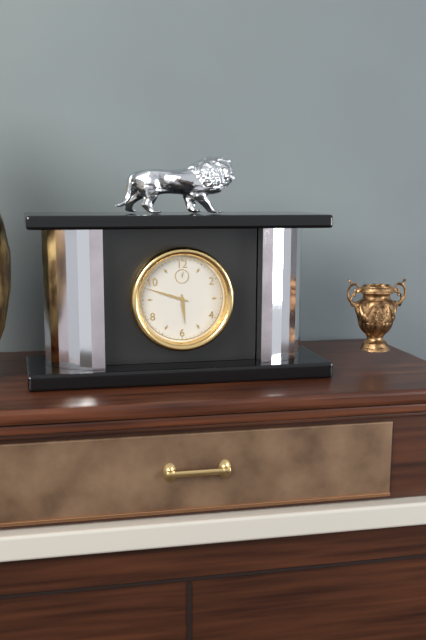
5:48
